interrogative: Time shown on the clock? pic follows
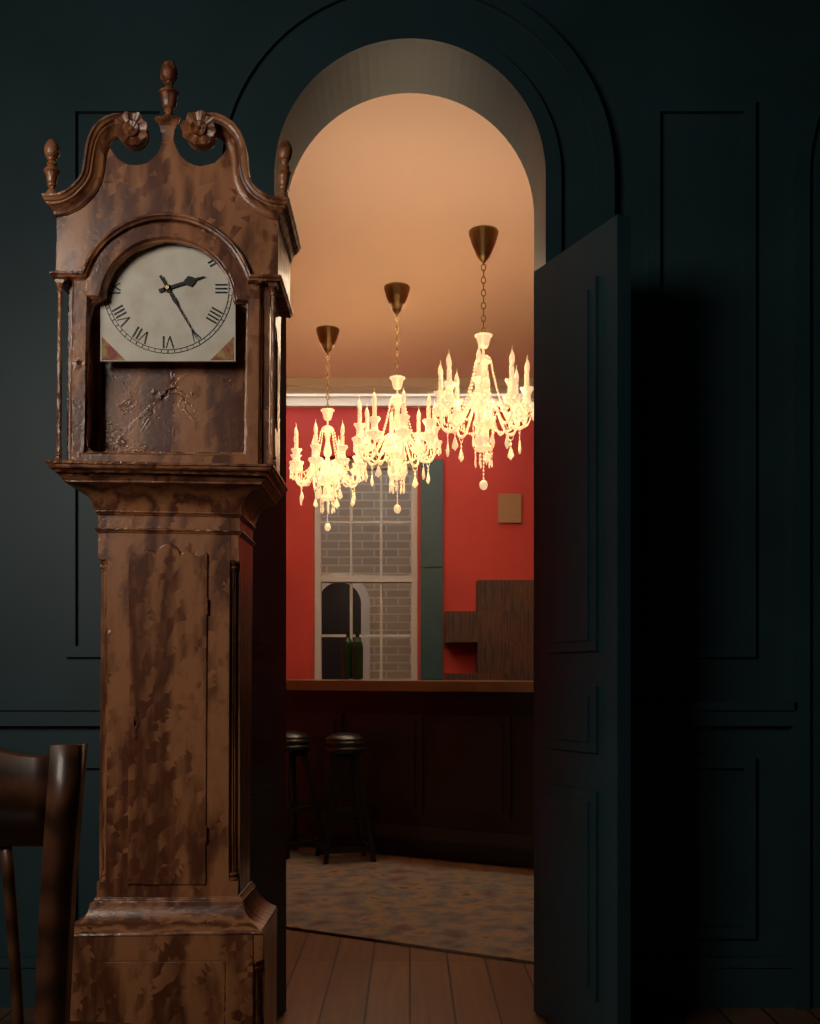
2:25
